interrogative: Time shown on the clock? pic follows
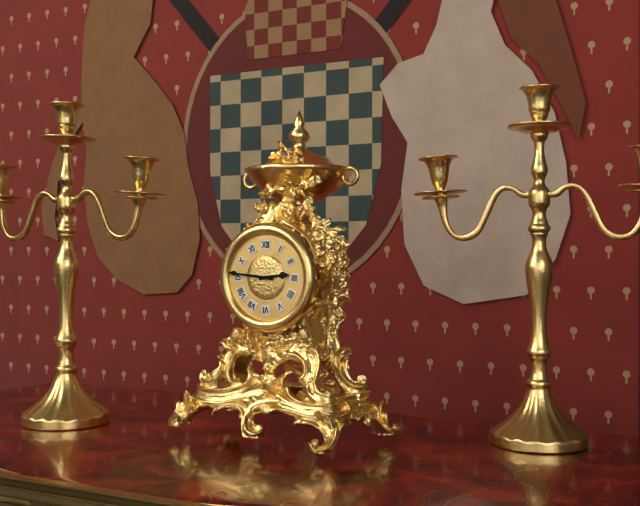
2:46
